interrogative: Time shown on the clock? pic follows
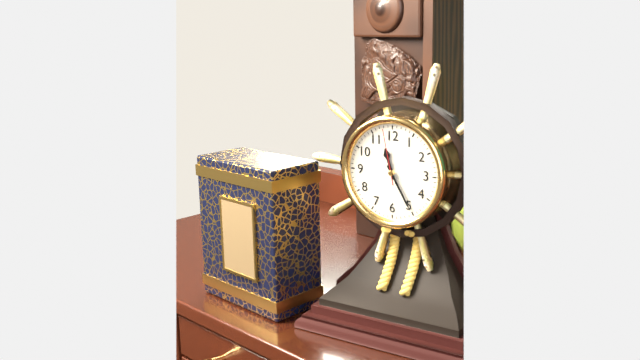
11:25:58
